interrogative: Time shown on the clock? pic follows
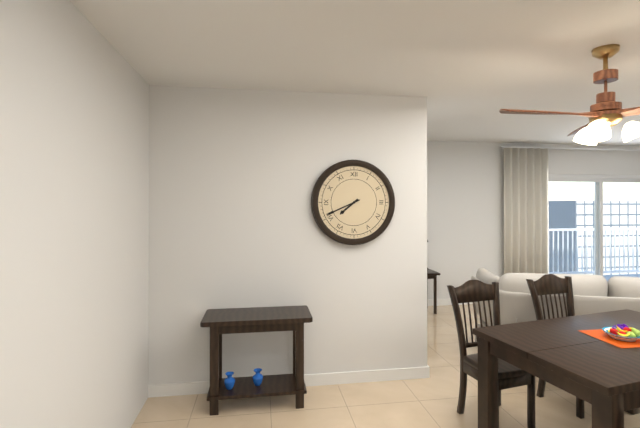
7:41
